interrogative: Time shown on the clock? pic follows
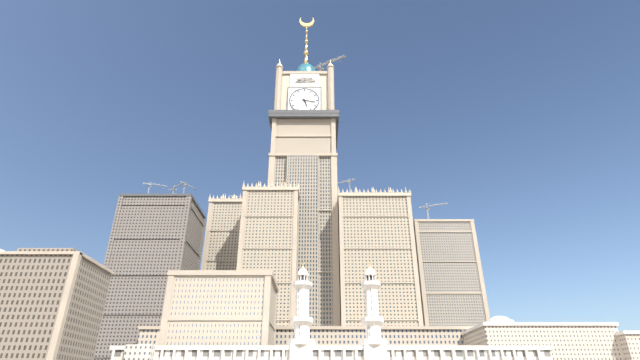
5:17
